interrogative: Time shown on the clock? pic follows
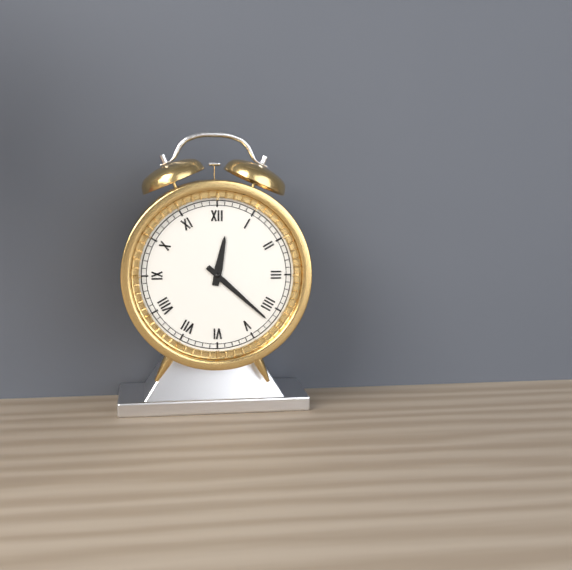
12:22
